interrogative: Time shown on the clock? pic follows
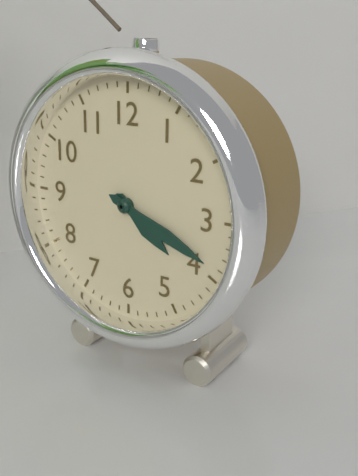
4:19
